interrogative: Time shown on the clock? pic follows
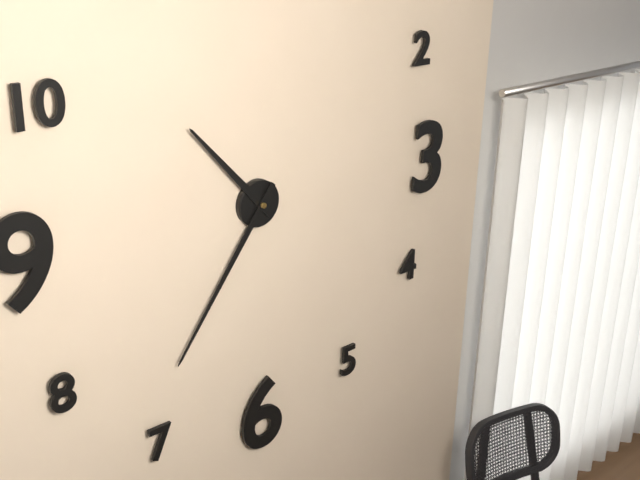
10:36
